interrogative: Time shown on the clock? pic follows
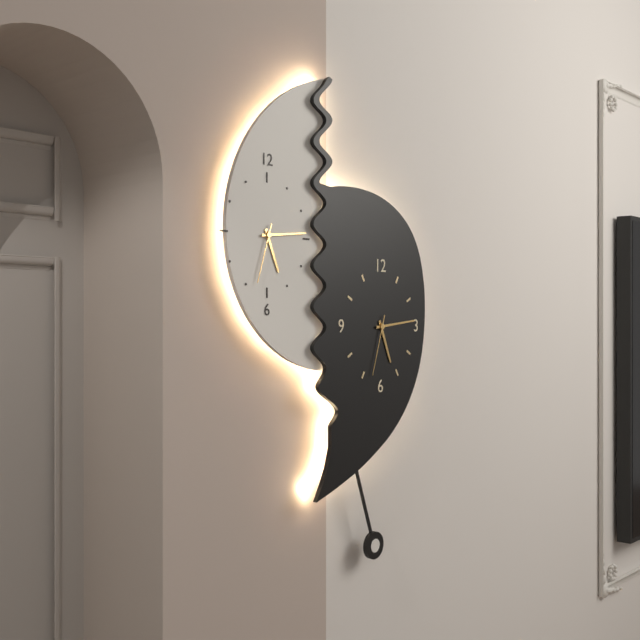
5:14:33
